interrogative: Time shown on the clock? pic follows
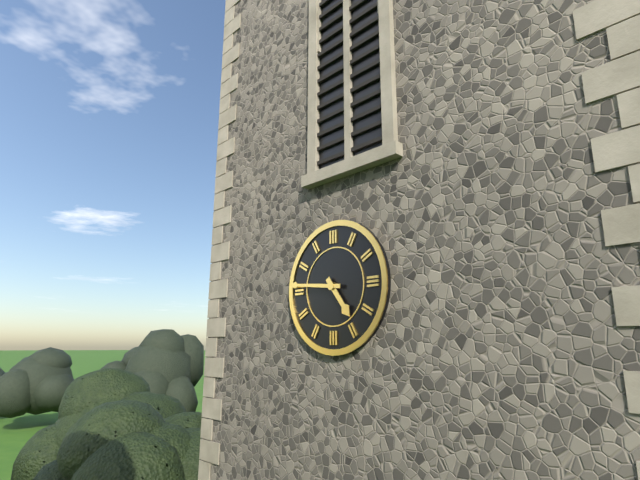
4:46
